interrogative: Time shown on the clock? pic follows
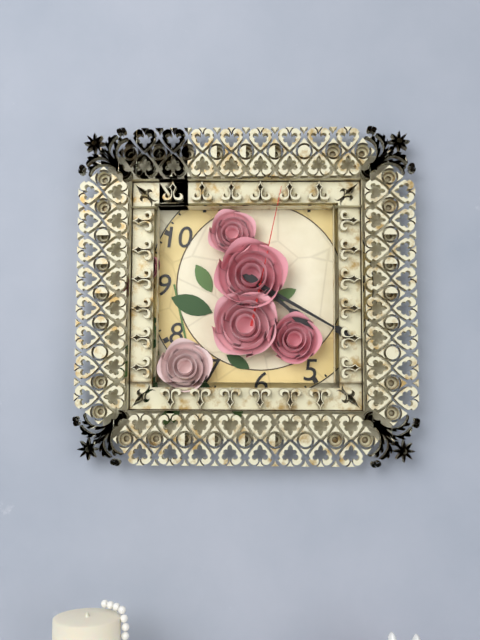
4:20:02
